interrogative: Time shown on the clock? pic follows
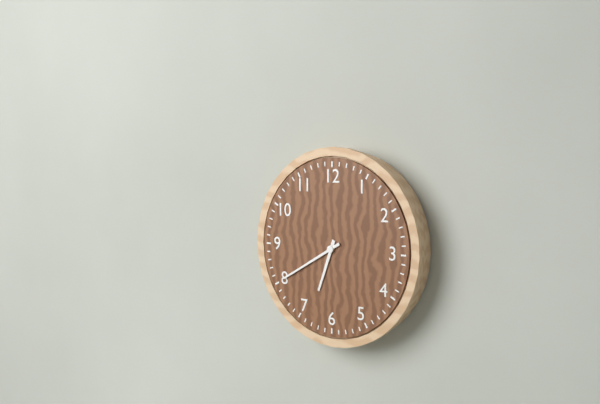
6:40
